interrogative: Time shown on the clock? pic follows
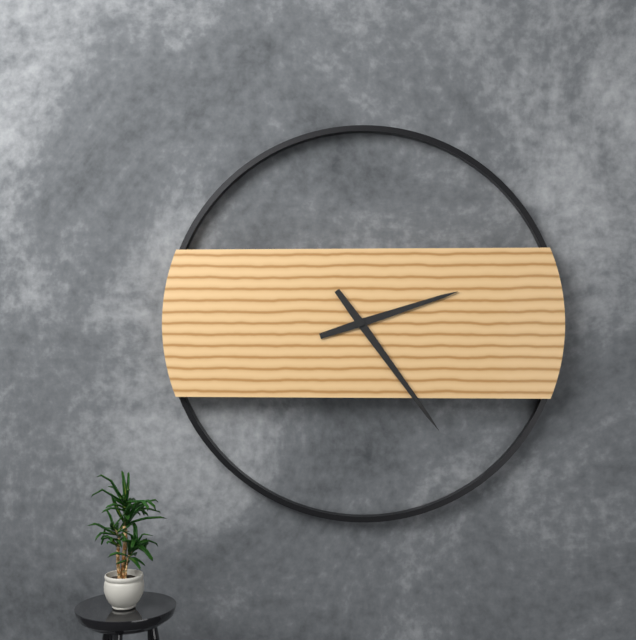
2:24
